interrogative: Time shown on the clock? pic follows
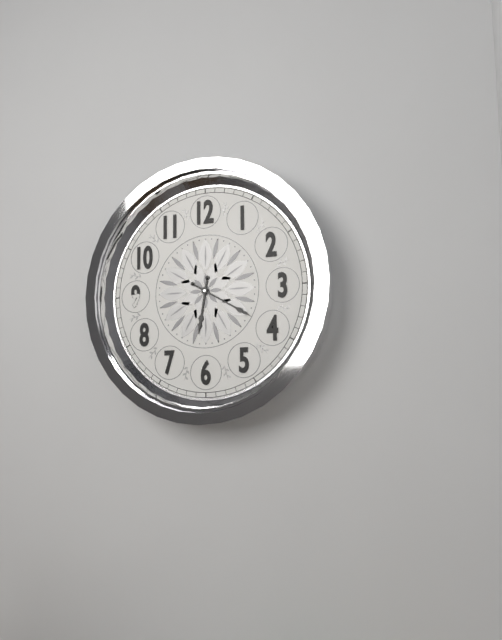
6:20
